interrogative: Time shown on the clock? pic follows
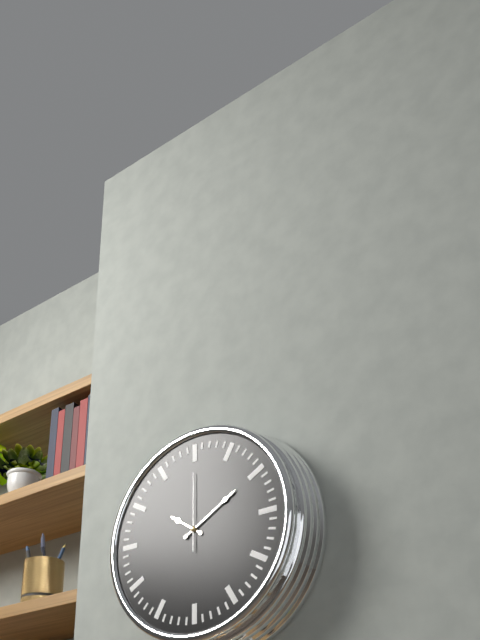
10:10:00
